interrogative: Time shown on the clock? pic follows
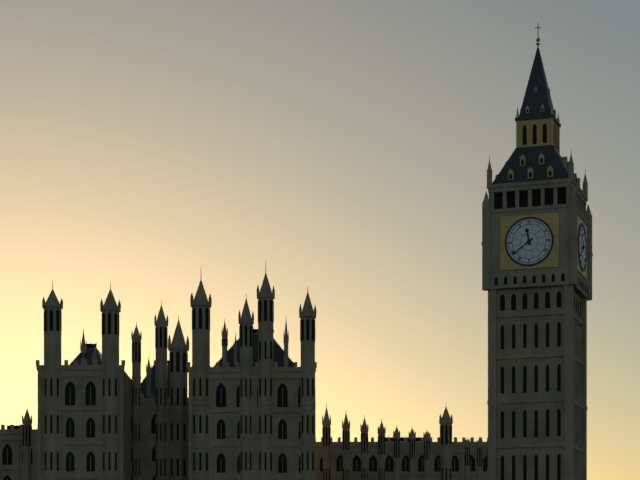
11:39
